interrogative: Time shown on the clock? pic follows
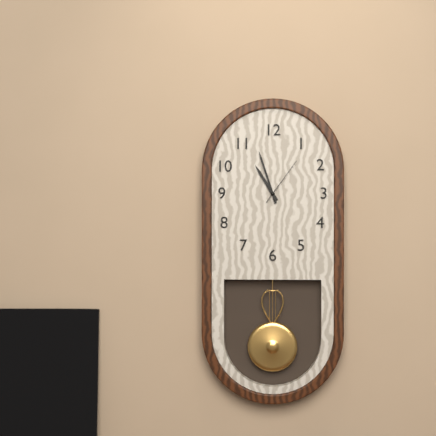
10:57:06
